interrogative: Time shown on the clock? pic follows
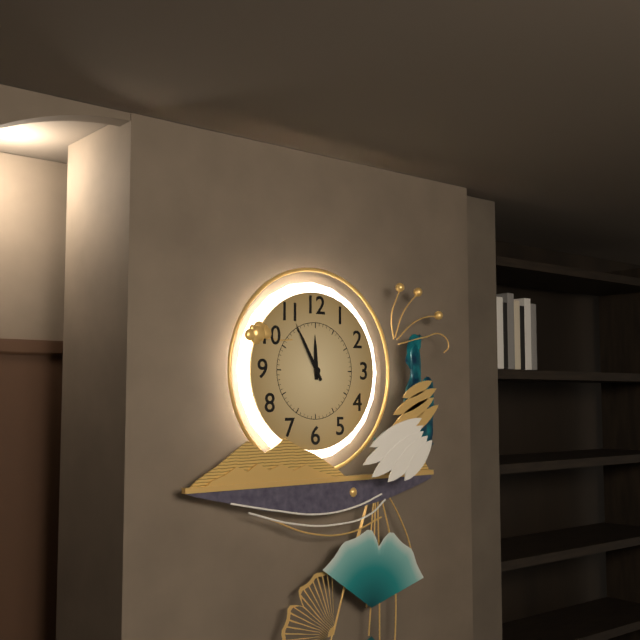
11:55
